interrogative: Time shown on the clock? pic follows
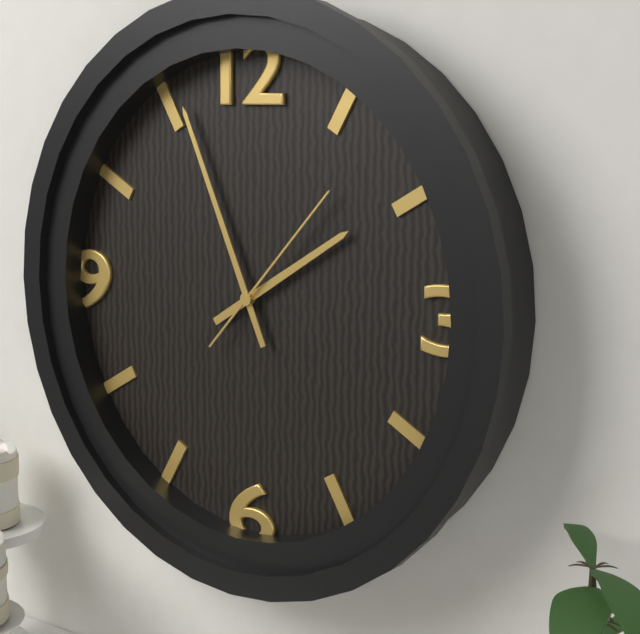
1:56:07
